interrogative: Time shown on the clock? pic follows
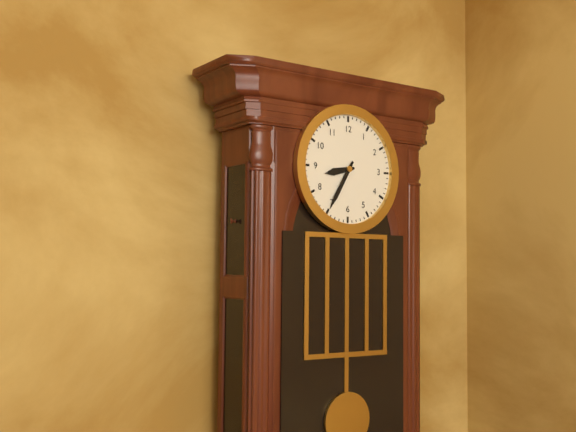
8:35
